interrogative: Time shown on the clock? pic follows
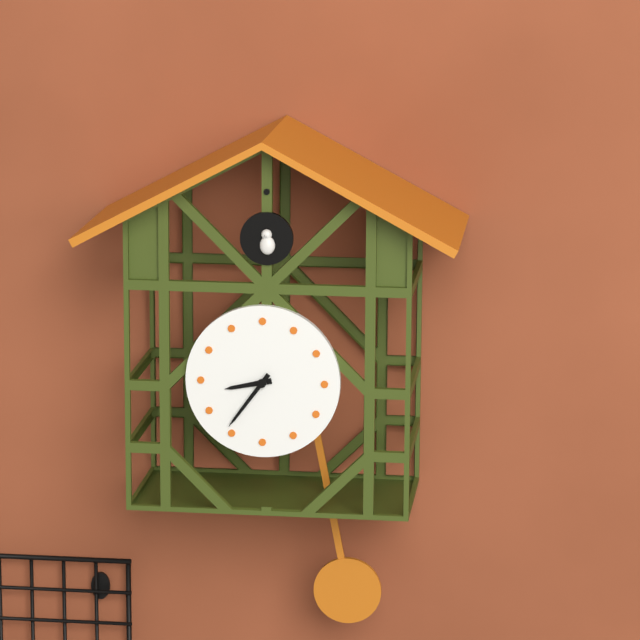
8:36
